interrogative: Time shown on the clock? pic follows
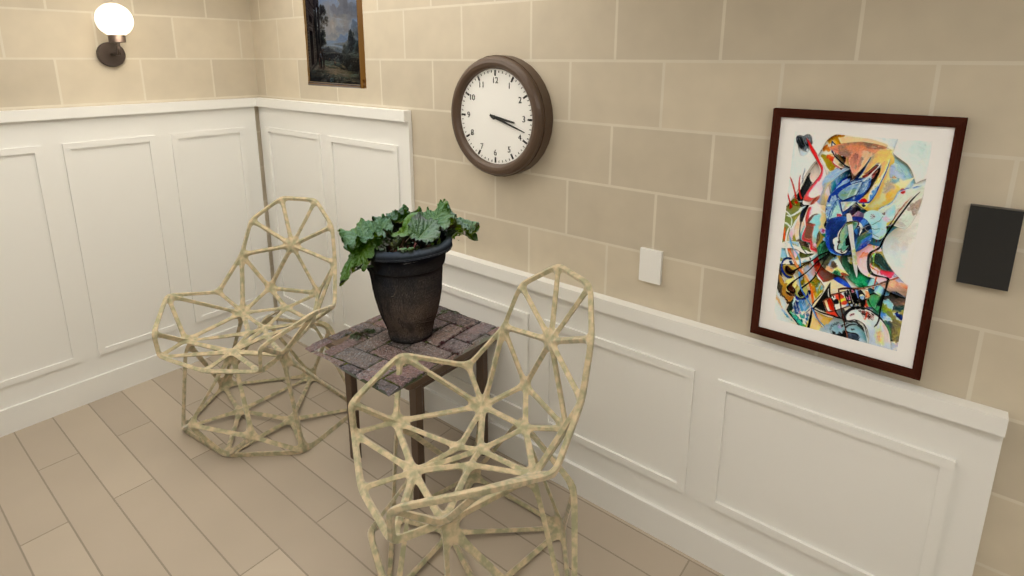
3:18
